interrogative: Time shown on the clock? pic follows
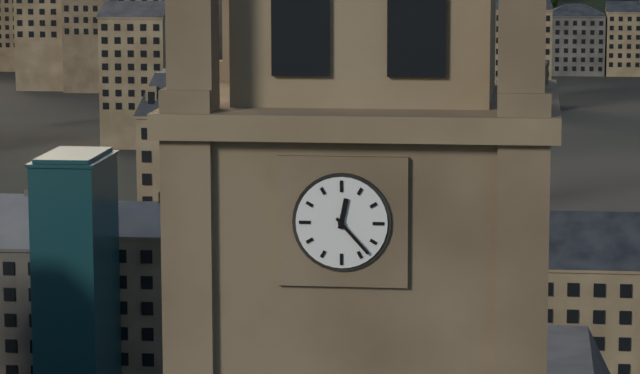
12:23
